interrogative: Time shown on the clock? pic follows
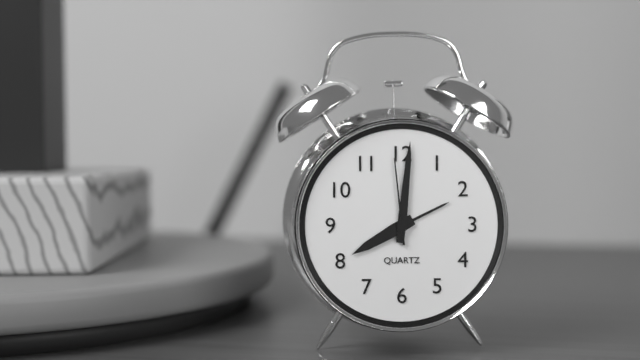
8:01:59
